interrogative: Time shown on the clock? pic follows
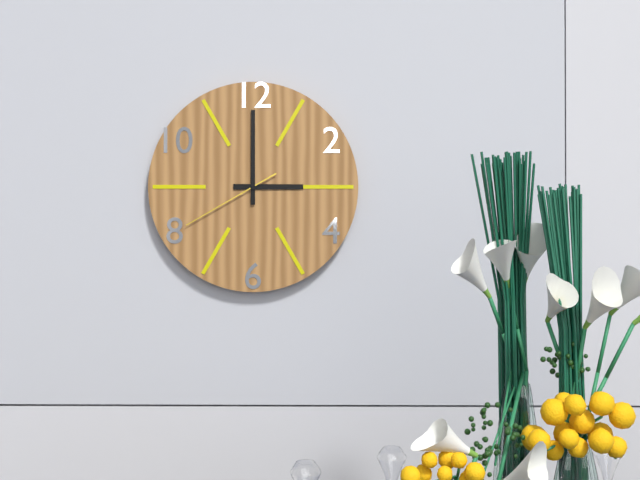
3:00:40
